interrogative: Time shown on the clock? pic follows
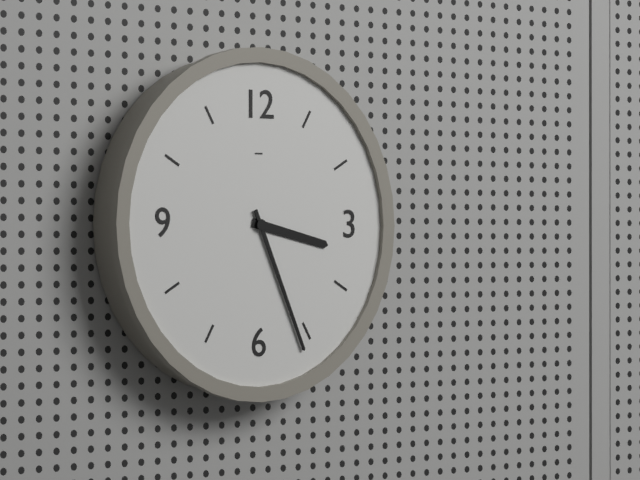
3:26
